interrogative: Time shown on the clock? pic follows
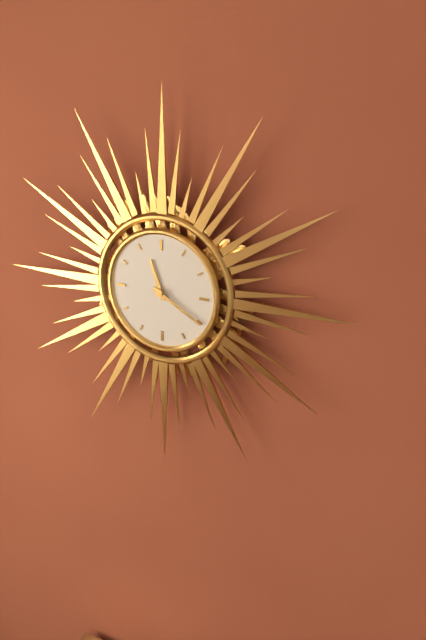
11:20
